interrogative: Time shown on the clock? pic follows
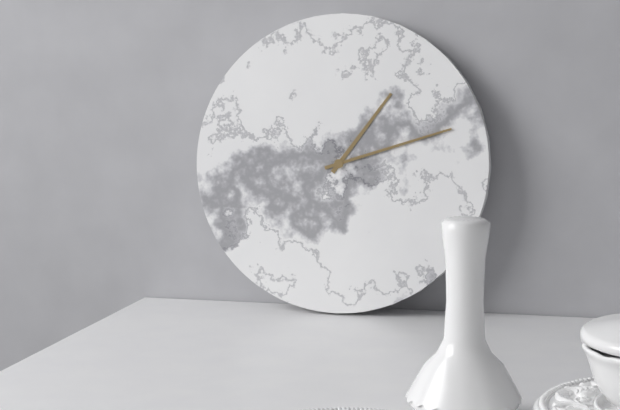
1:12
